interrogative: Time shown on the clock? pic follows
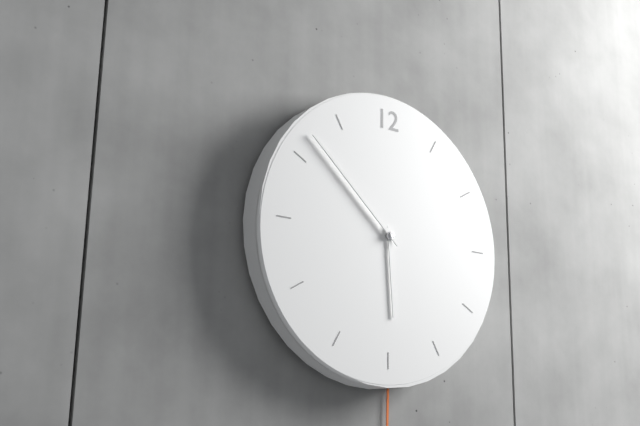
5:52
